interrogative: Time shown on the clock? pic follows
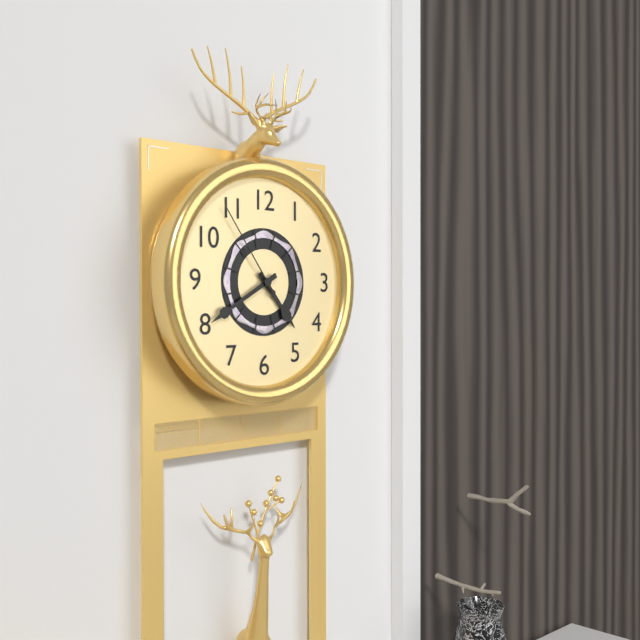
4:40:54
